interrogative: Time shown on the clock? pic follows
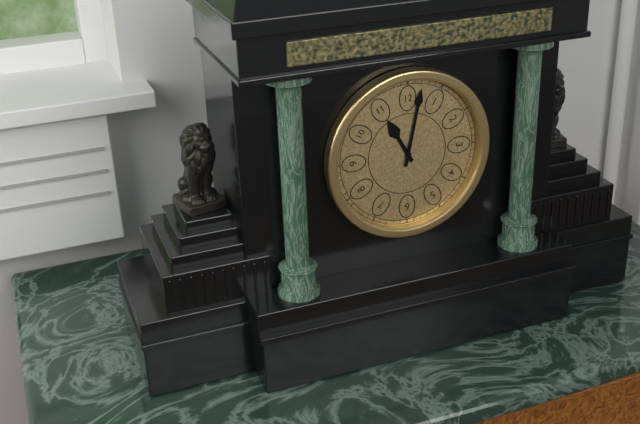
11:02
